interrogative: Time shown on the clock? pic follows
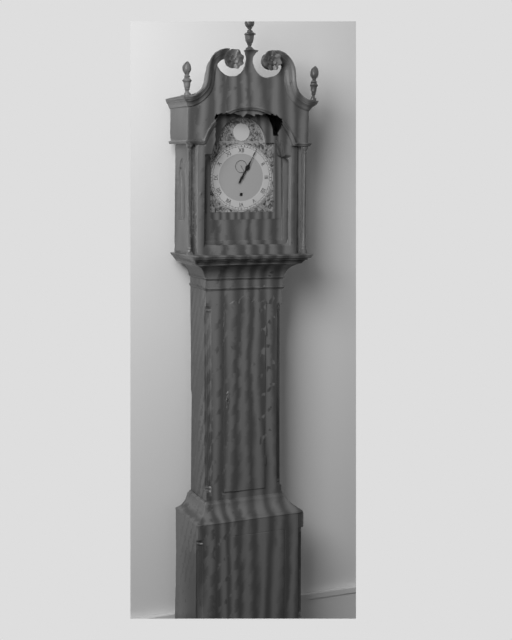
1:05
